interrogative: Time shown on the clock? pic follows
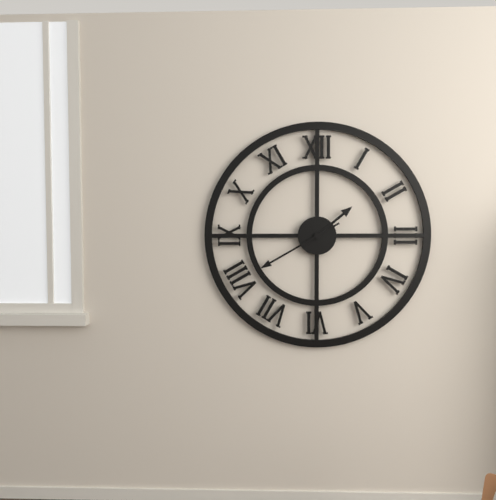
1:40
